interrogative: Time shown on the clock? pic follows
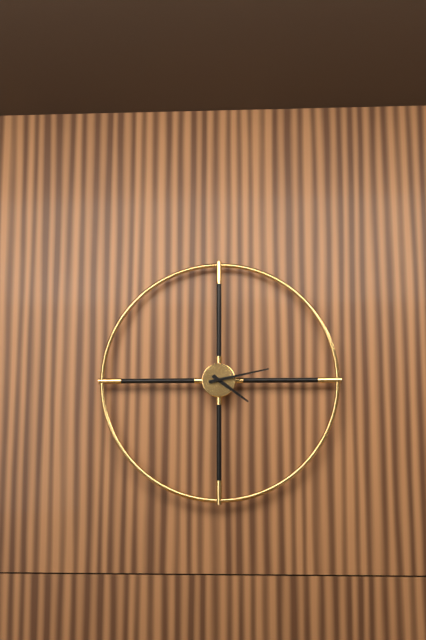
4:13
